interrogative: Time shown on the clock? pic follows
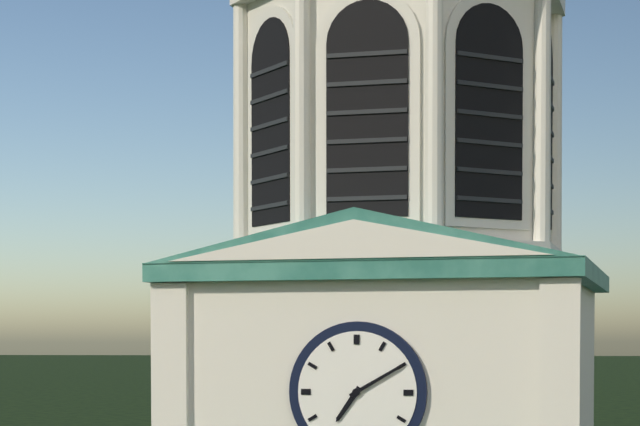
7:10
